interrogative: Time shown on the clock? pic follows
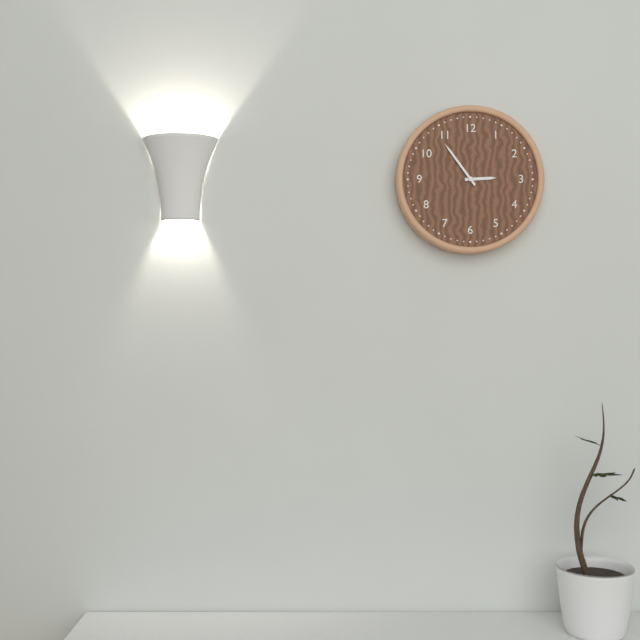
2:54
